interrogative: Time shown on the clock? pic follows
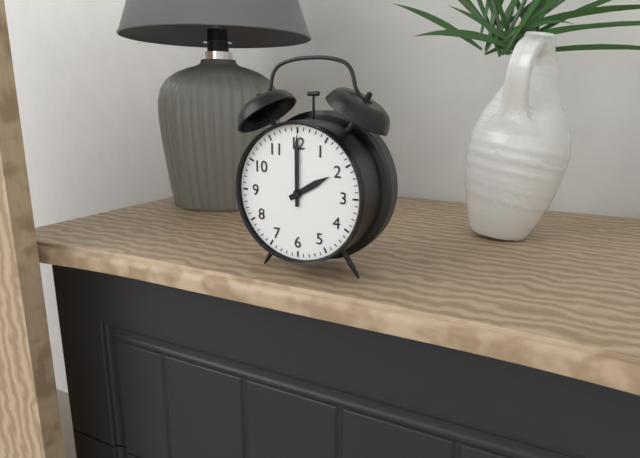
2:00
